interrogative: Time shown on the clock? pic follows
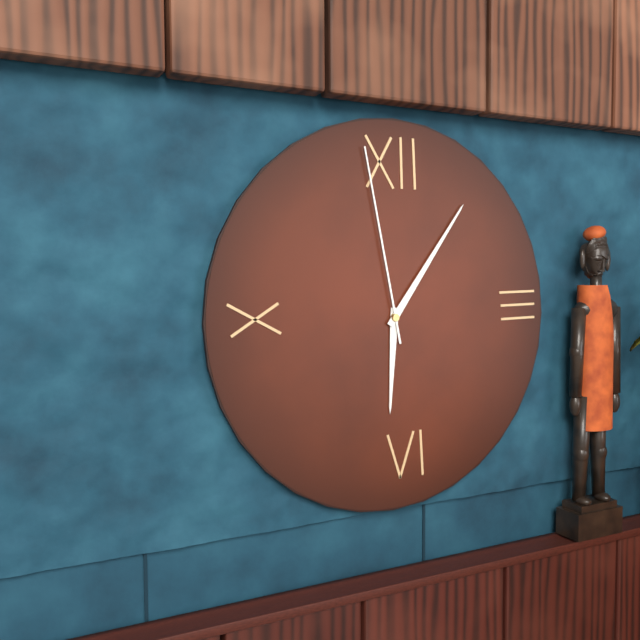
6:06:58
